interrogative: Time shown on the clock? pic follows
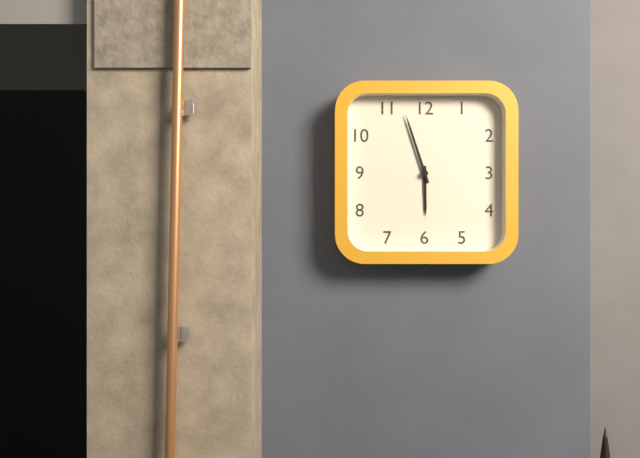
5:57
